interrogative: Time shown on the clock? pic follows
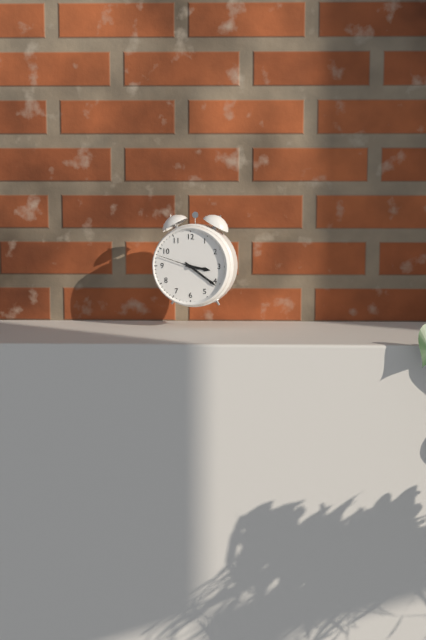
3:21
